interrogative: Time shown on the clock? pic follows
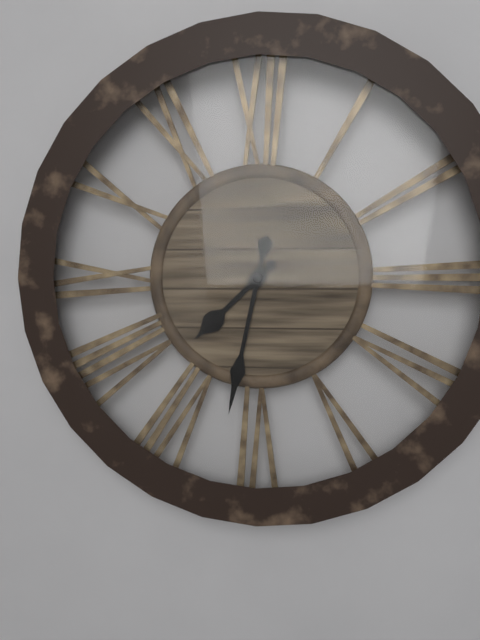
7:32
